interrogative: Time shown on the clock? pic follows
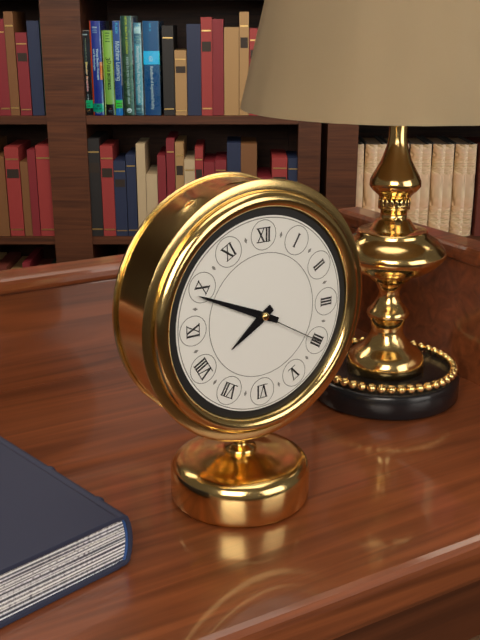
7:49:20
